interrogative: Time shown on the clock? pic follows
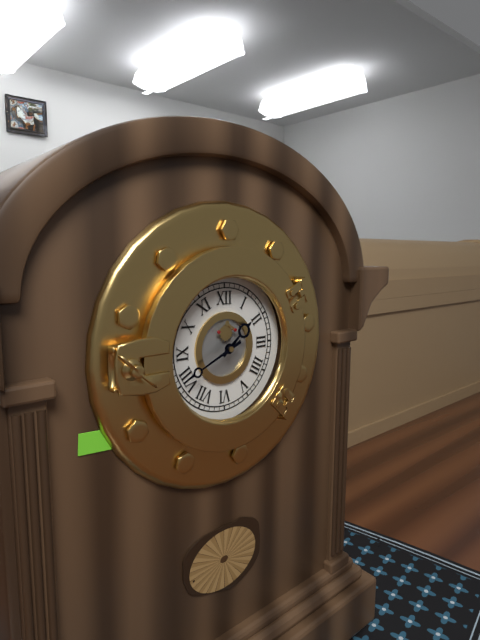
1:41
